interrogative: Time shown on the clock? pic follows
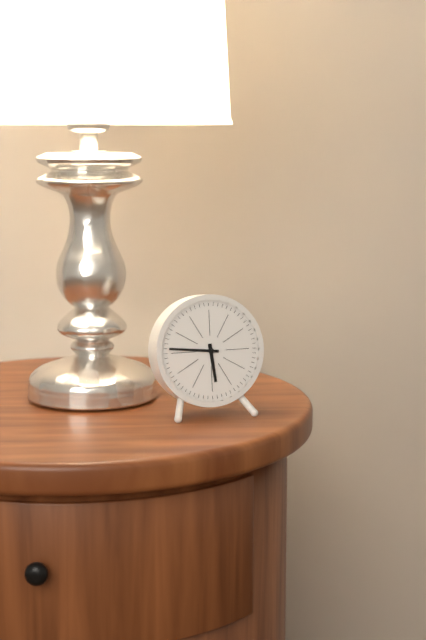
5:46
